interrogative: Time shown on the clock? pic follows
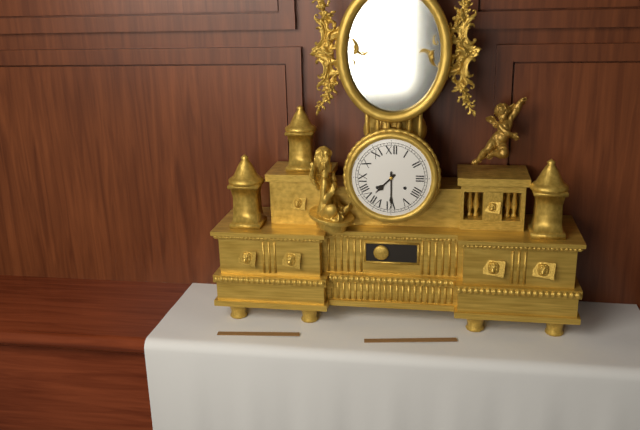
7:30
